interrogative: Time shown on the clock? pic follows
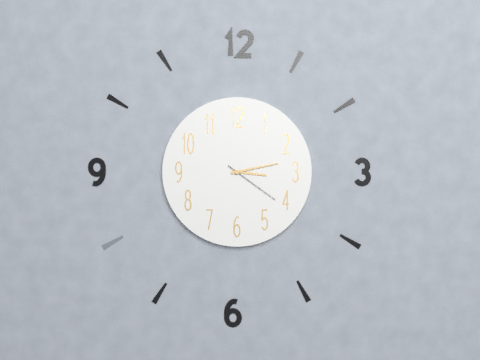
3:13:21
